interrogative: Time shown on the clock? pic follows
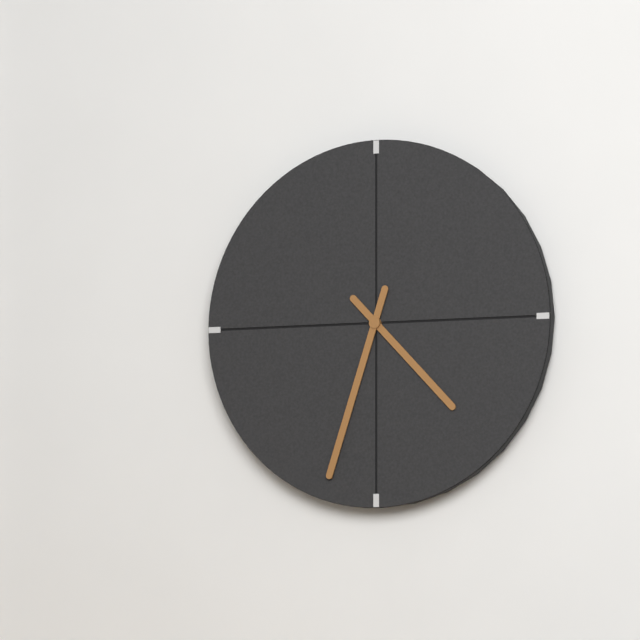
4:33
